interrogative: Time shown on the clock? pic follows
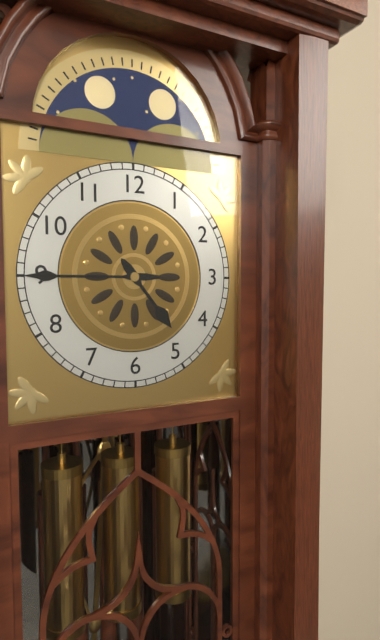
4:45
